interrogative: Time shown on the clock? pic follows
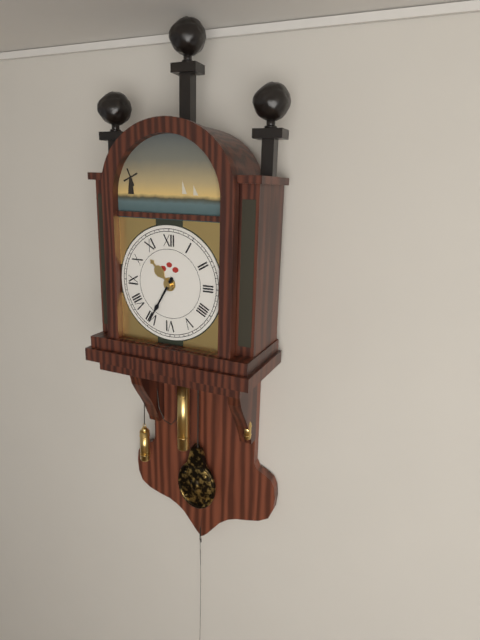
10:35
